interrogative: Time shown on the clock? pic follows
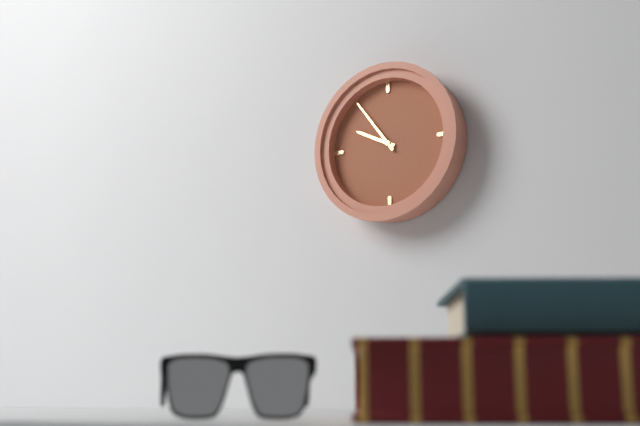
9:54
